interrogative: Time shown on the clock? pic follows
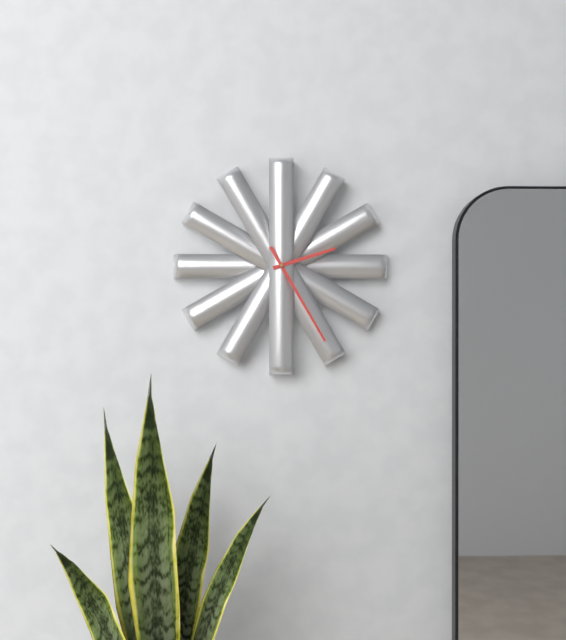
2:25
